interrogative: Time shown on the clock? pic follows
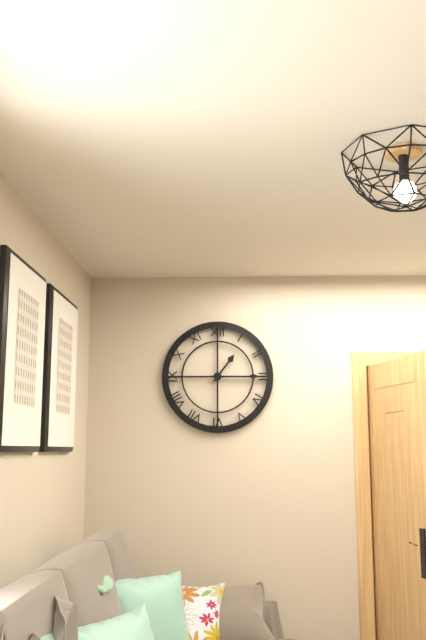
1:15
